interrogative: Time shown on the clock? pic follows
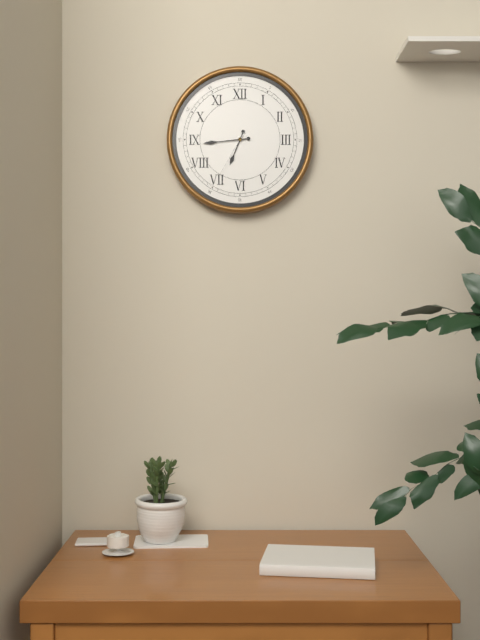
6:44
